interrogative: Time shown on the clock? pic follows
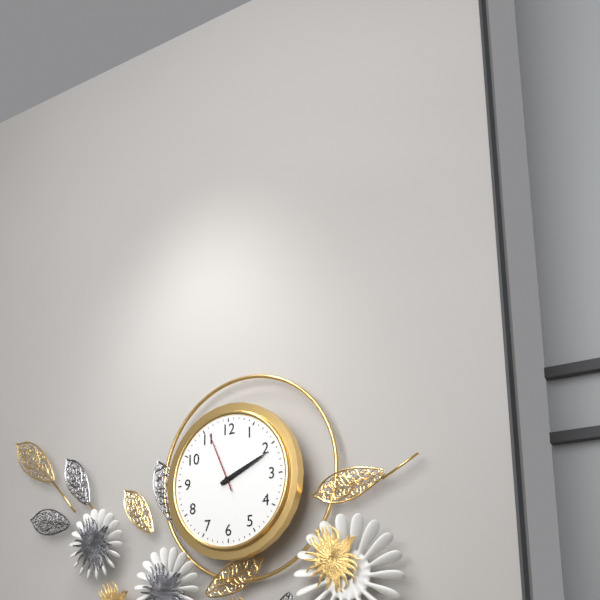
2:11:56
